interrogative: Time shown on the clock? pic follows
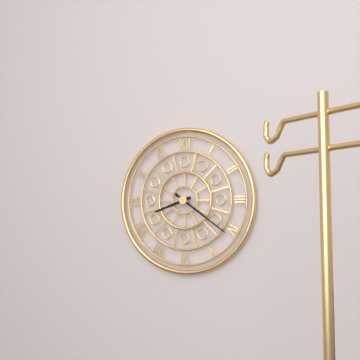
8:21
